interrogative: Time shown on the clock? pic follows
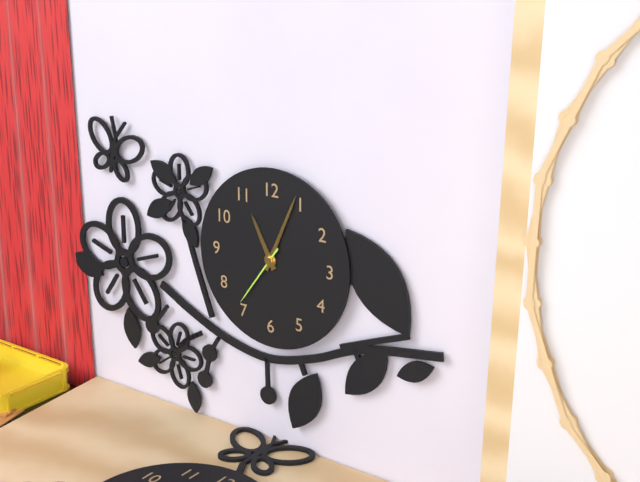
11:04:36
